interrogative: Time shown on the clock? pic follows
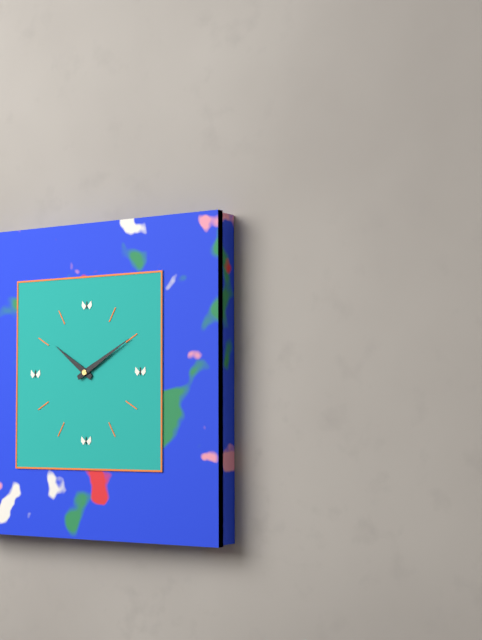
10:10
